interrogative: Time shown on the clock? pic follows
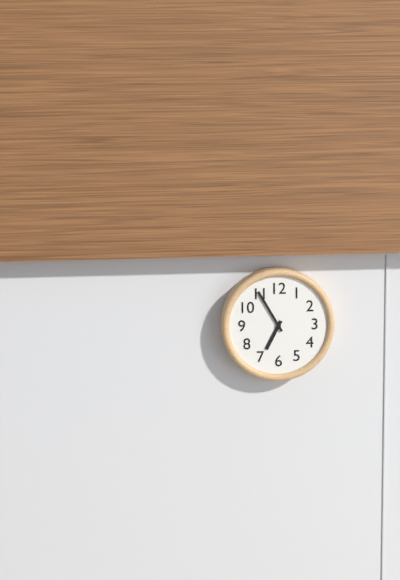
6:55
